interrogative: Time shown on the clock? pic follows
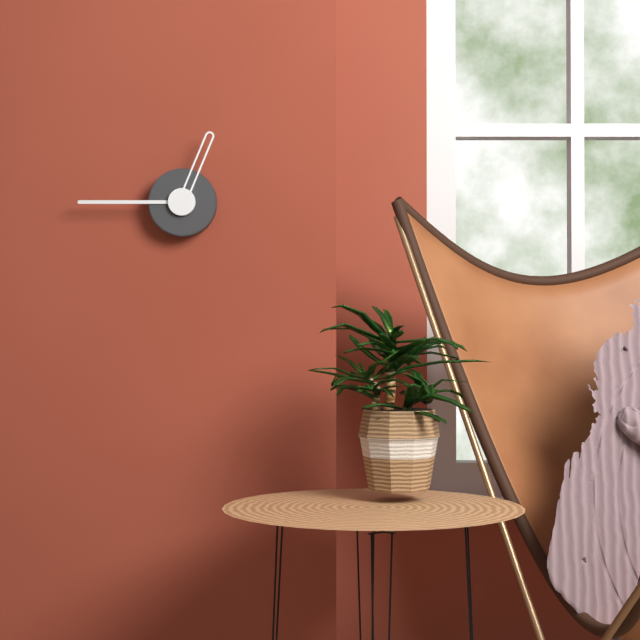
12:45
